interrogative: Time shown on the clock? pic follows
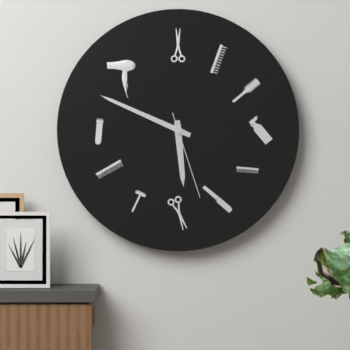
5:49:27
